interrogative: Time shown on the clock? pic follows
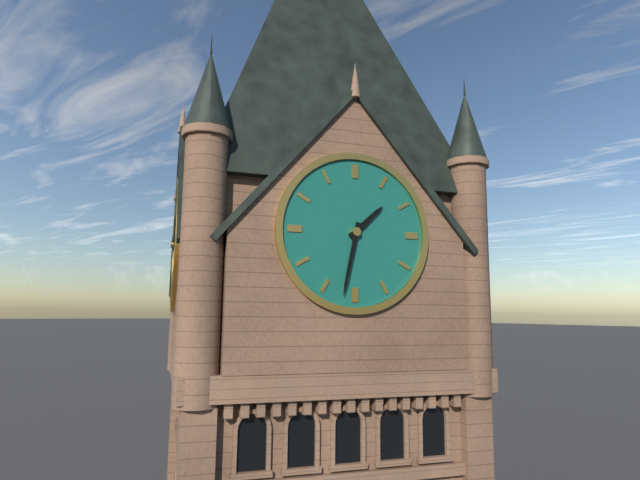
1:32
